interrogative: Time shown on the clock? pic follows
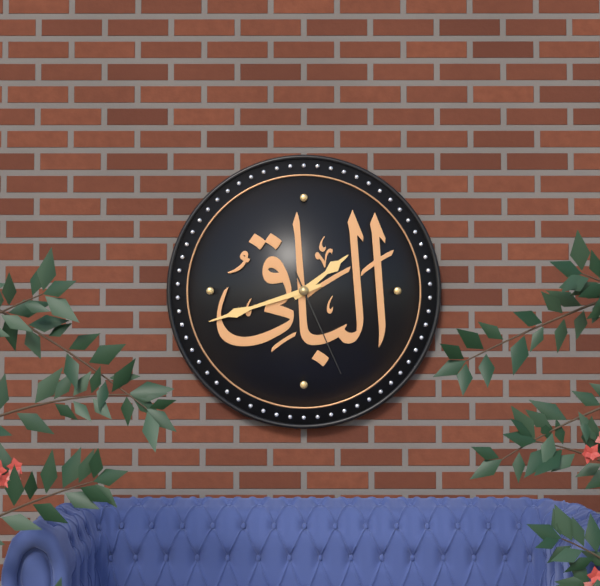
1:42:26
